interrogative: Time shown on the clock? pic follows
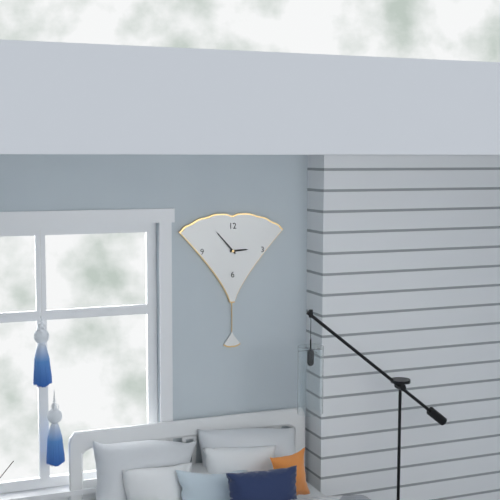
2:53
